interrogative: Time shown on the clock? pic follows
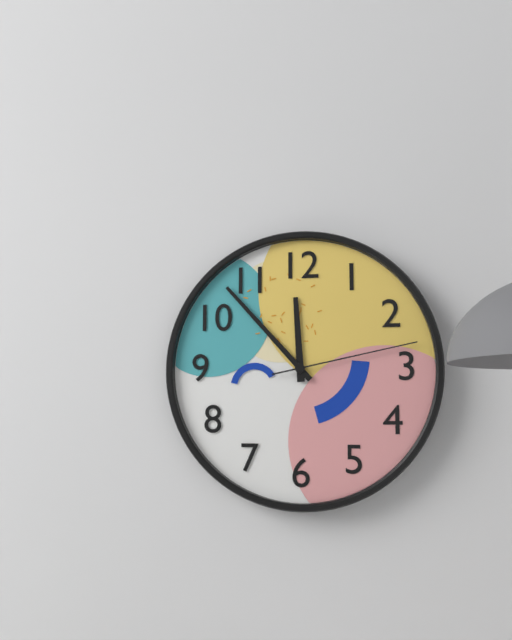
11:53:13
